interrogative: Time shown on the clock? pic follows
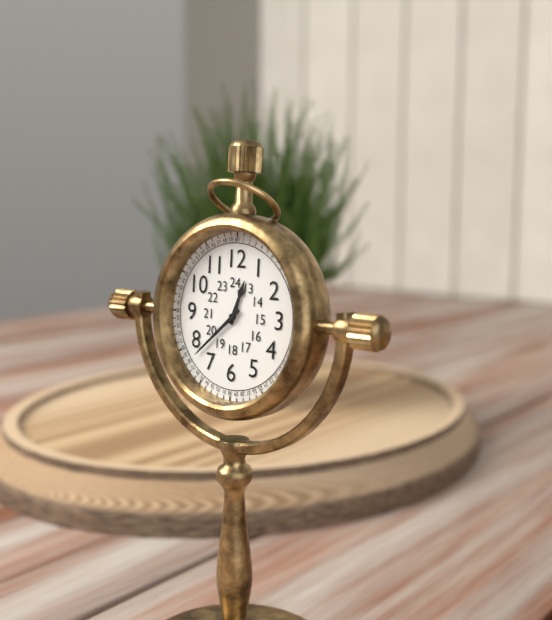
12:38
